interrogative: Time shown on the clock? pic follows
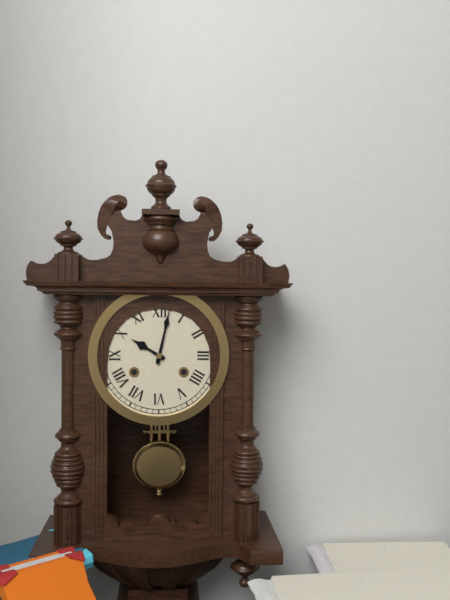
10:02
